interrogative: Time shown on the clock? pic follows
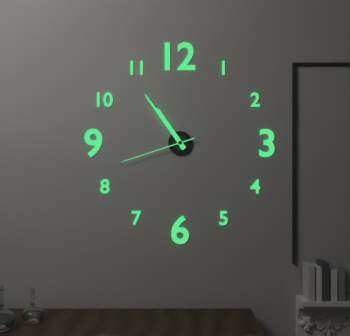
10:54:42
